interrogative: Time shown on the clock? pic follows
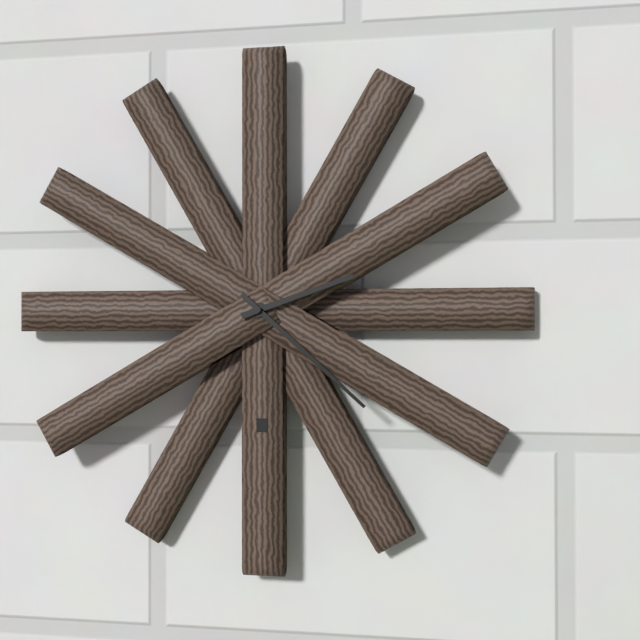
2:22
